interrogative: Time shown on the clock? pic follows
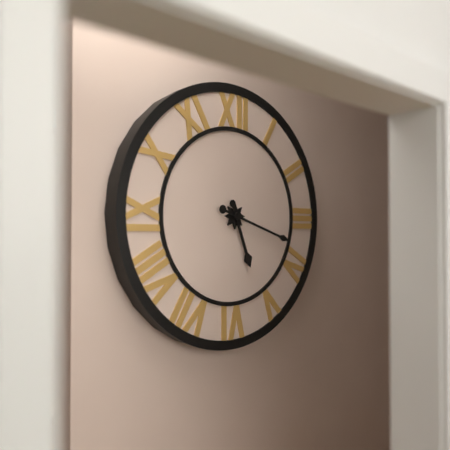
5:18
